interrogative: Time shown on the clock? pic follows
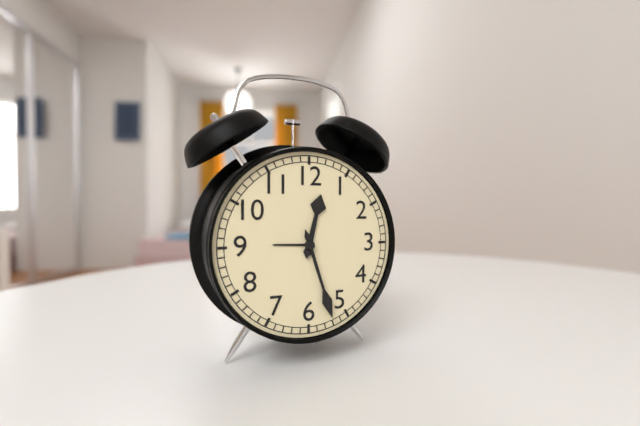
12:27
